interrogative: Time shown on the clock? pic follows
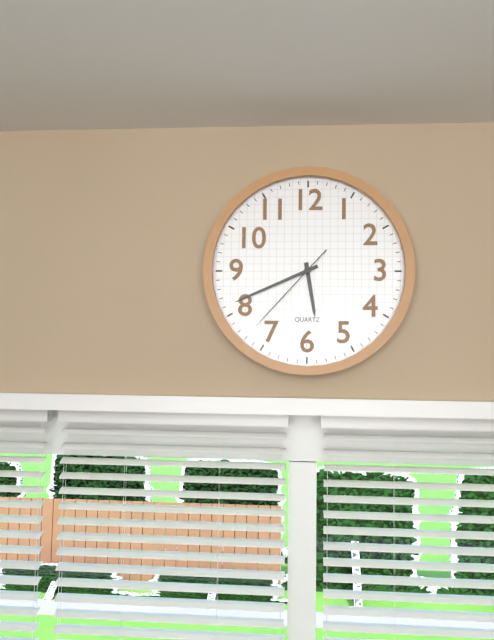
5:41:37
